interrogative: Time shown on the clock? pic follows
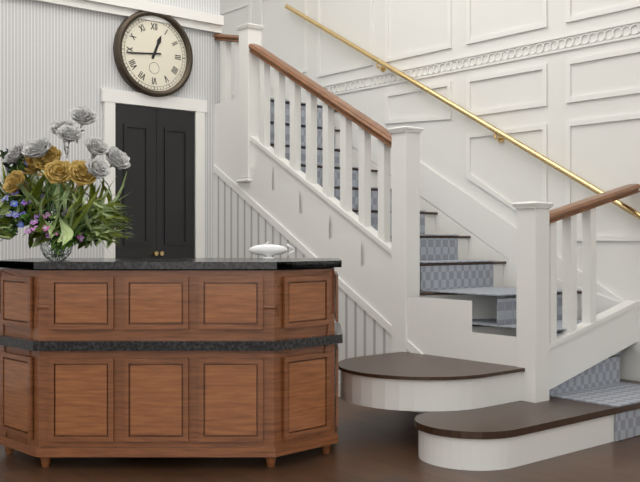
12:44
